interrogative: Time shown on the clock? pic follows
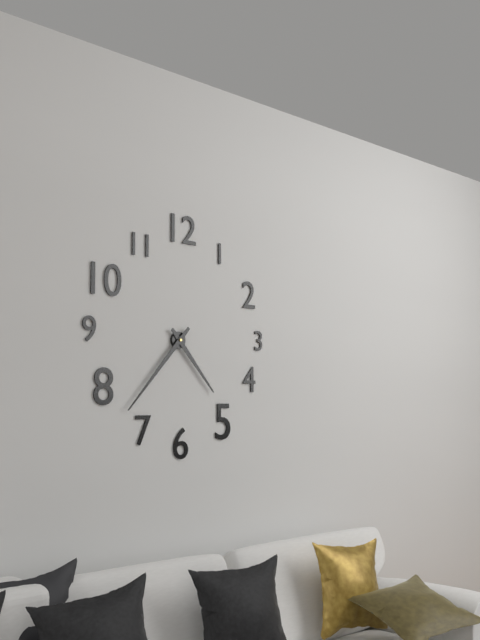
4:37
